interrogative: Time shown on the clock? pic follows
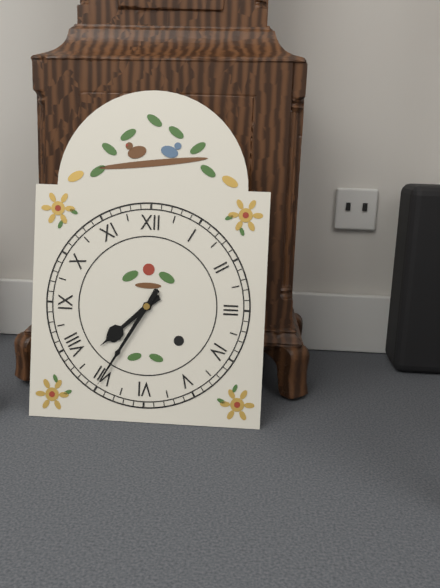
7:35
